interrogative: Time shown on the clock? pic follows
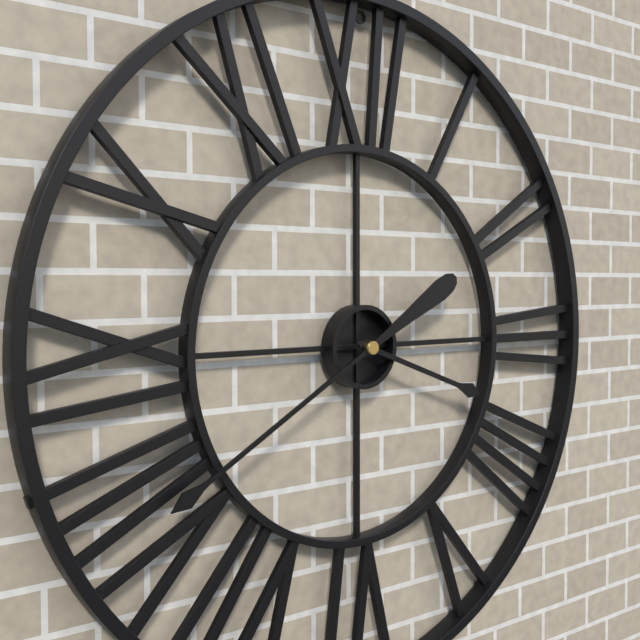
3:40
